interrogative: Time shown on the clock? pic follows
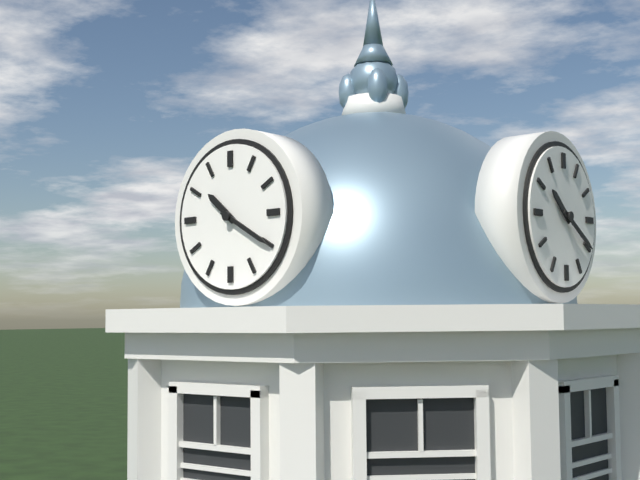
10:20
